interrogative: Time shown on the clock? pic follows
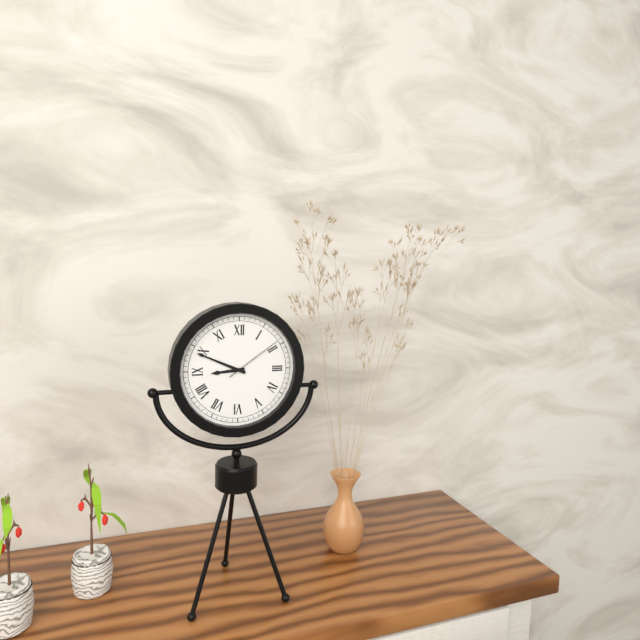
8:49:09
